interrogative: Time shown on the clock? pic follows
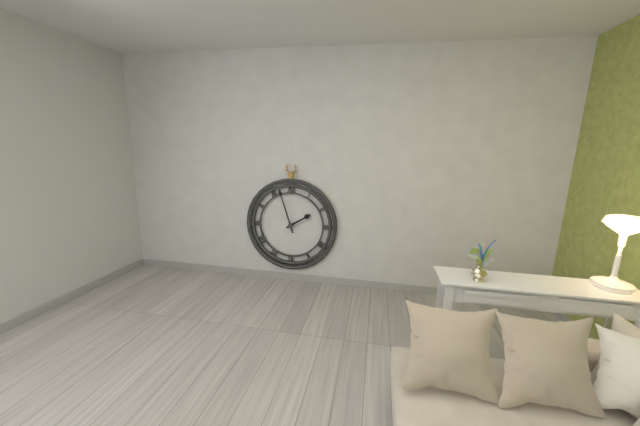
1:57
